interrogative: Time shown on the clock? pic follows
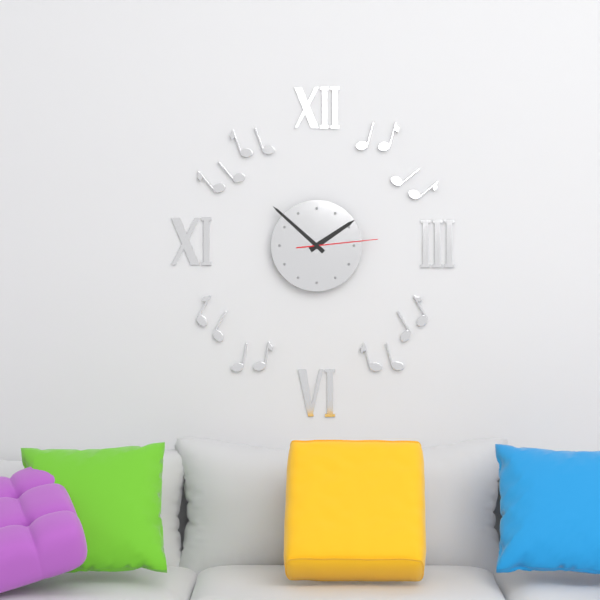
1:52:14
